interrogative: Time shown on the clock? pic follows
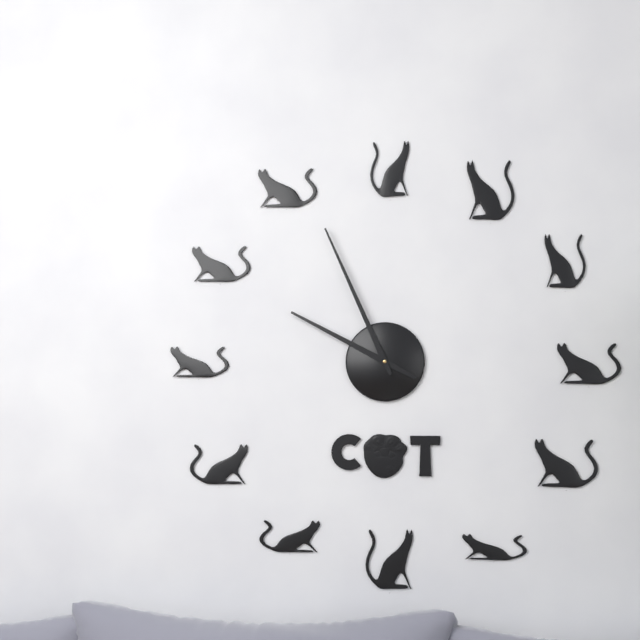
9:56
